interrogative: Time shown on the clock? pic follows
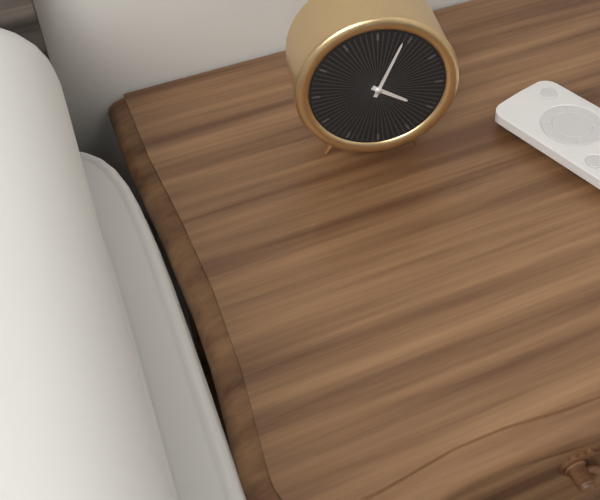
4:04
